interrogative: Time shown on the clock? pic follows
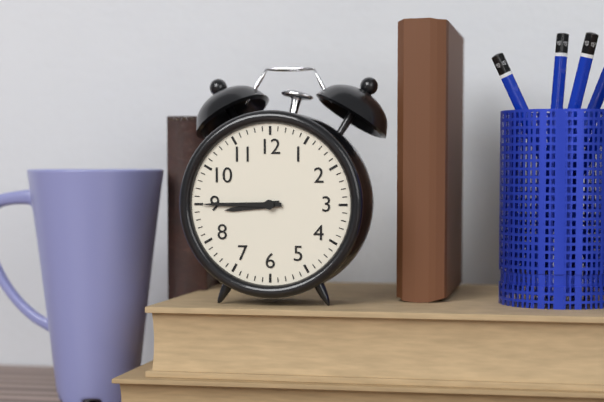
8:45
